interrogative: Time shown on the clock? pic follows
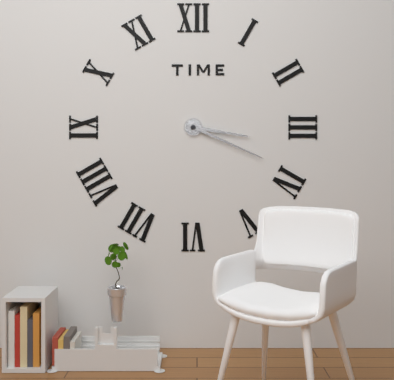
3:19
